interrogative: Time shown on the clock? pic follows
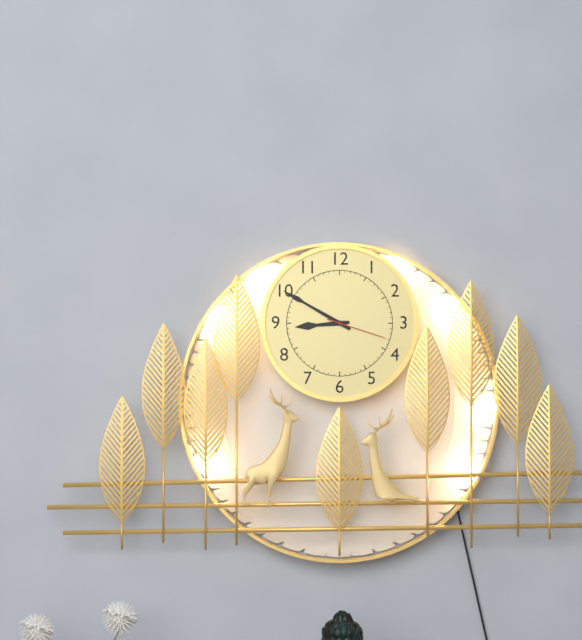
8:50:18
